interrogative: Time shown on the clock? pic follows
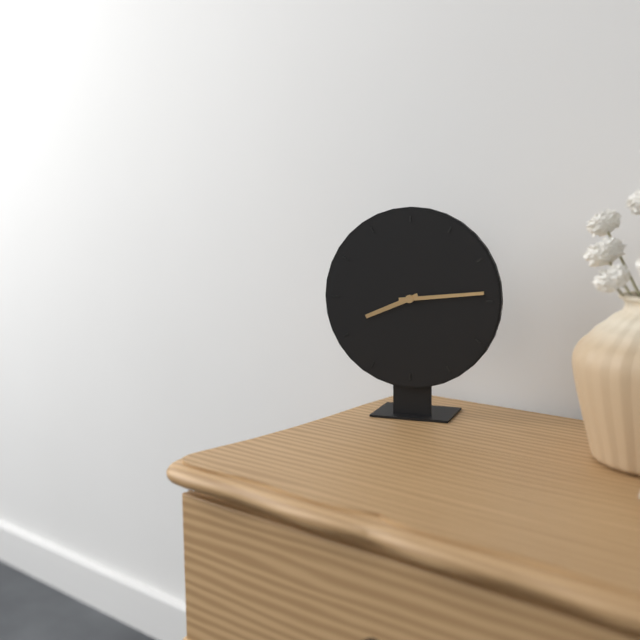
8:14
